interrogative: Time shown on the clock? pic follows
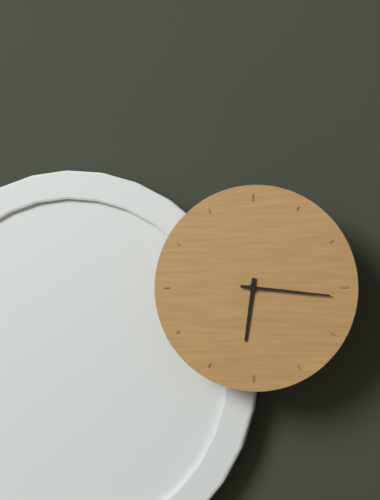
6:16
